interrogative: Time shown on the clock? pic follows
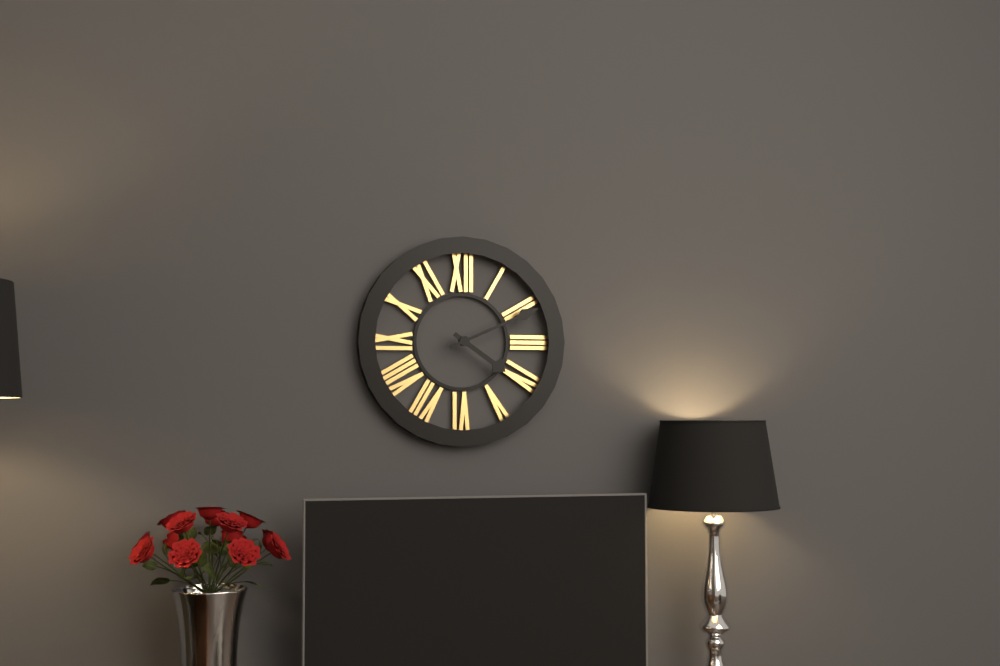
4:11
